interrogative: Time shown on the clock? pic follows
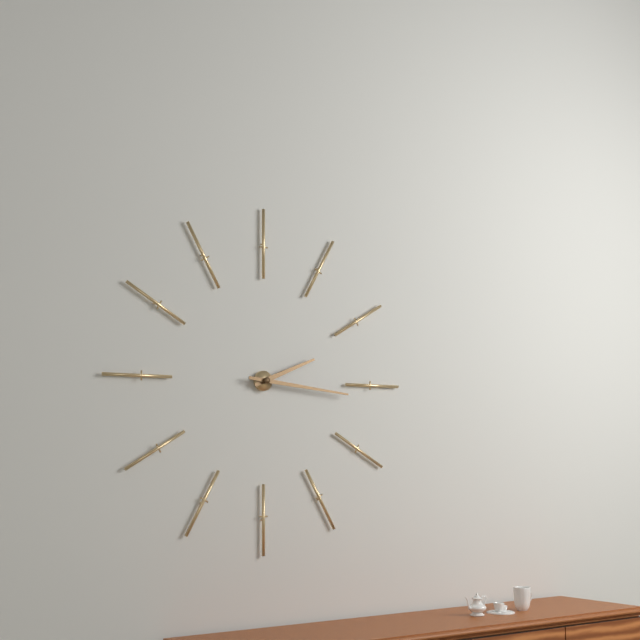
2:16
